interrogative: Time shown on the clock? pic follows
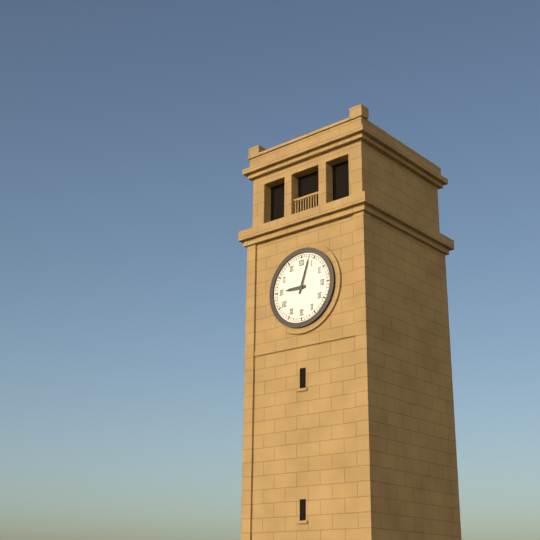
9:03
